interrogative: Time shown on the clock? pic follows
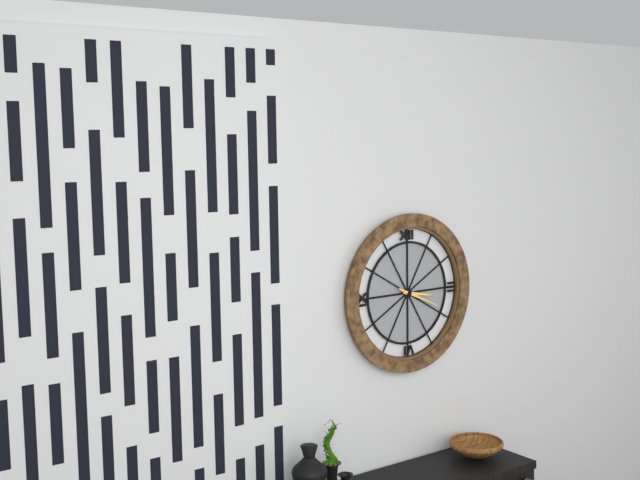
3:19
